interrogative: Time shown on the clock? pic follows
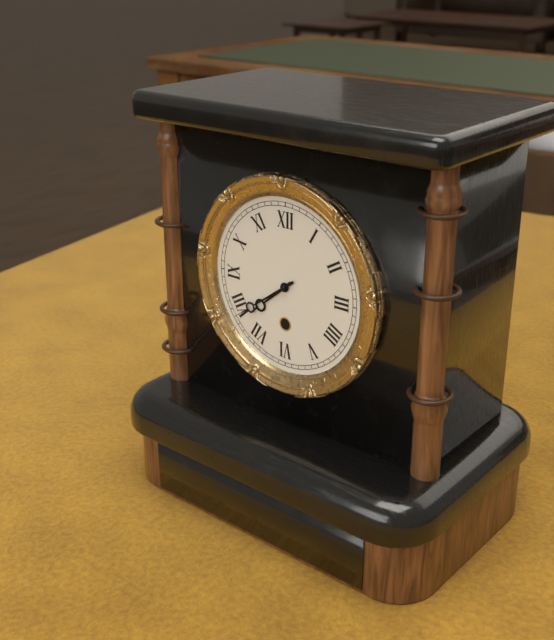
7:39
